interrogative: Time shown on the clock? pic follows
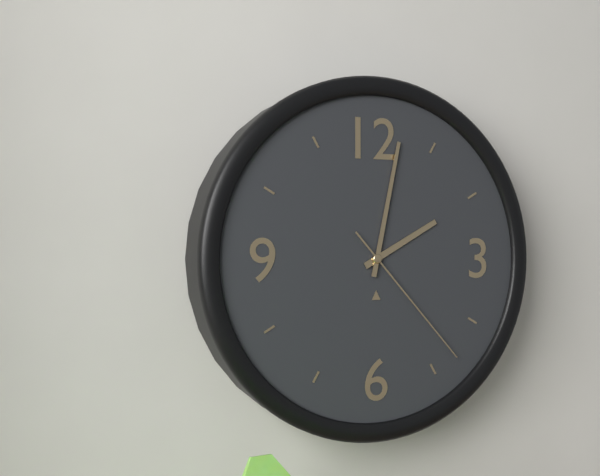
2:02:23
